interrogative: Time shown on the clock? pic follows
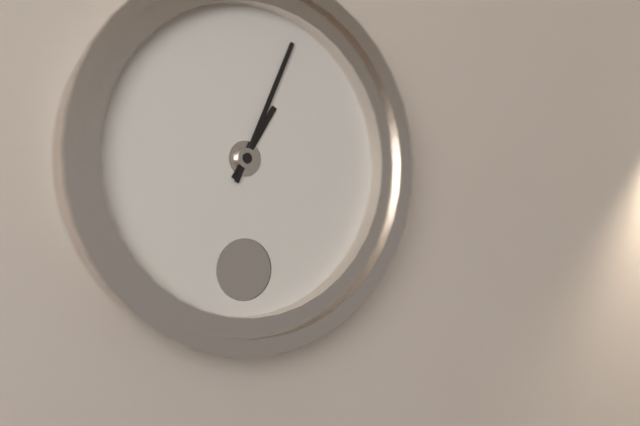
1:04
